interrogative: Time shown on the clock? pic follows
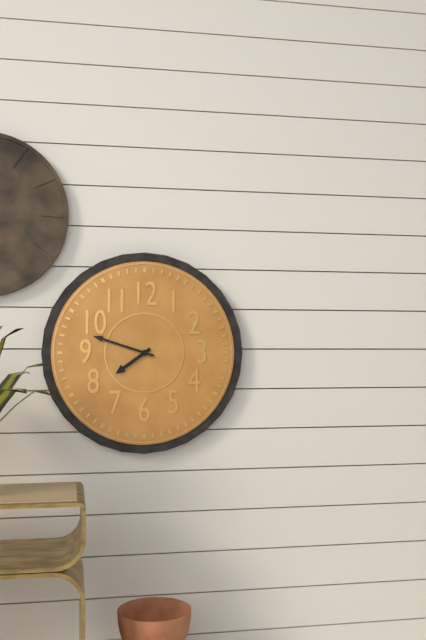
7:48
